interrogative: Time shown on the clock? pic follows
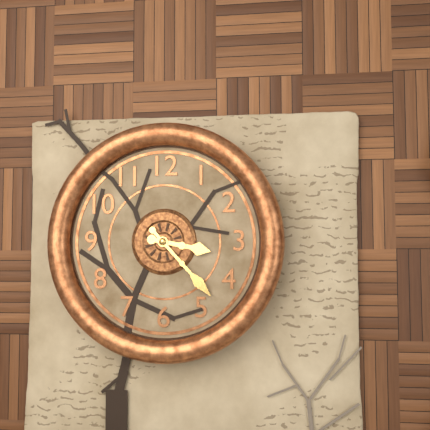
3:23
